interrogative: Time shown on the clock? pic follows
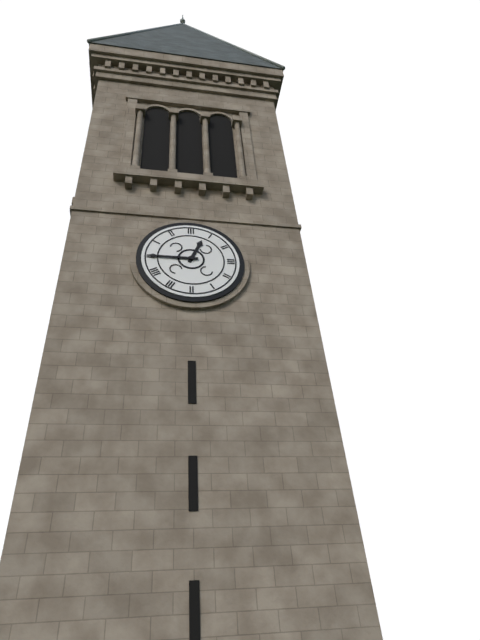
12:45
